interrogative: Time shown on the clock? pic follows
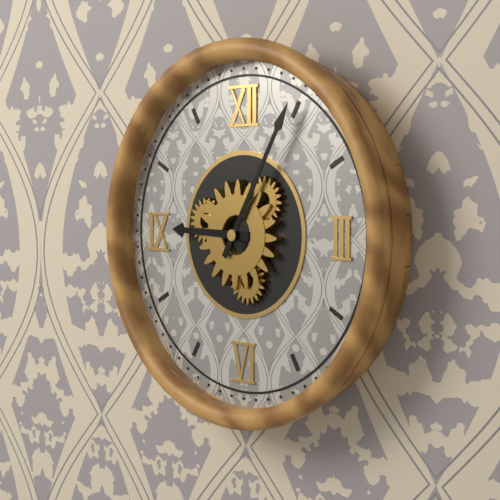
9:05
